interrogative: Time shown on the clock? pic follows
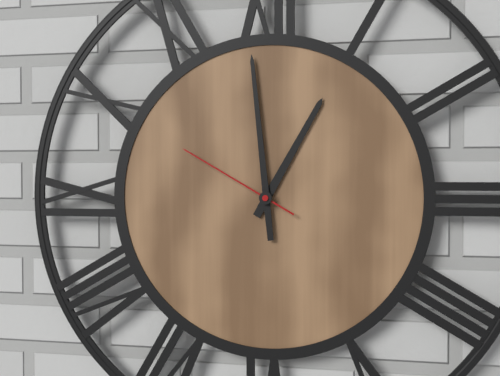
12:59:50
